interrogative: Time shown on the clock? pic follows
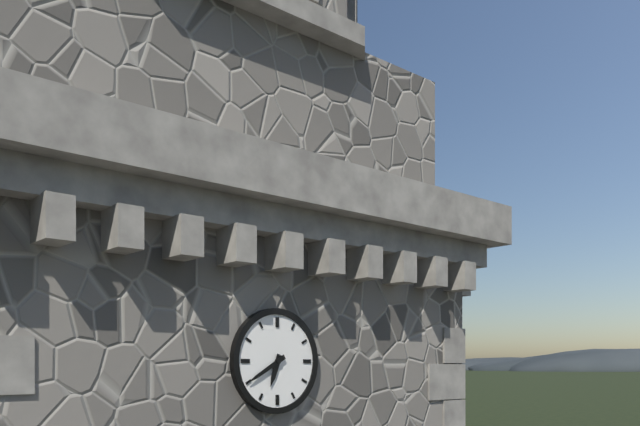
6:40
